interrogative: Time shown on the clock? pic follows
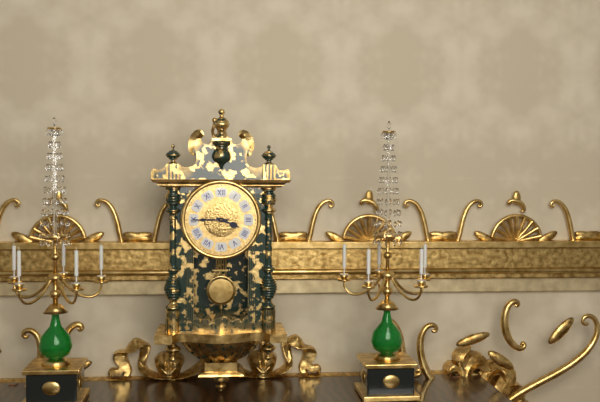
3:45
